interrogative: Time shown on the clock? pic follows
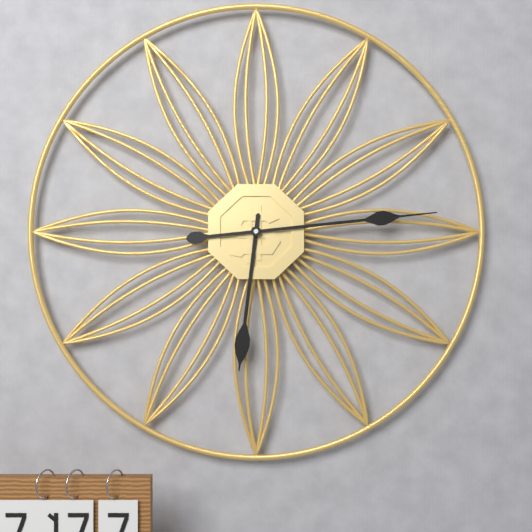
6:14
